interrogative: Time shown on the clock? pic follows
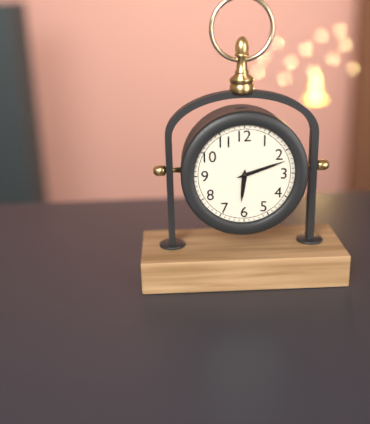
6:12
